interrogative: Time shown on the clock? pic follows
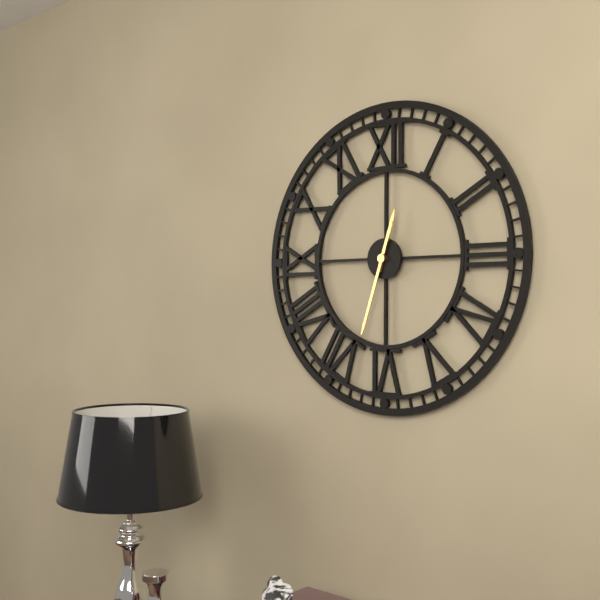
12:33
